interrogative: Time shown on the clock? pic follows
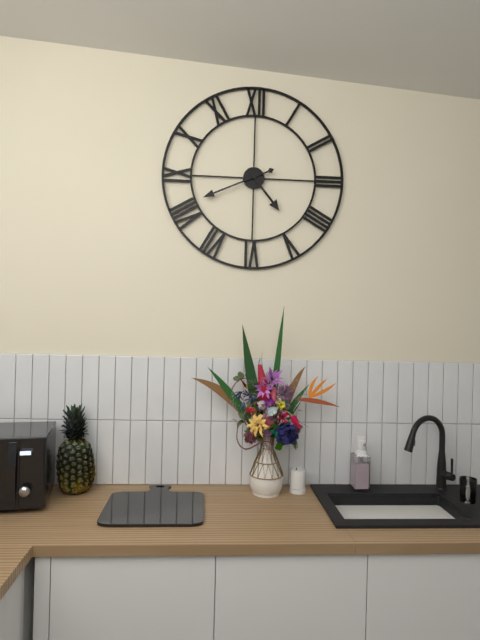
4:41
